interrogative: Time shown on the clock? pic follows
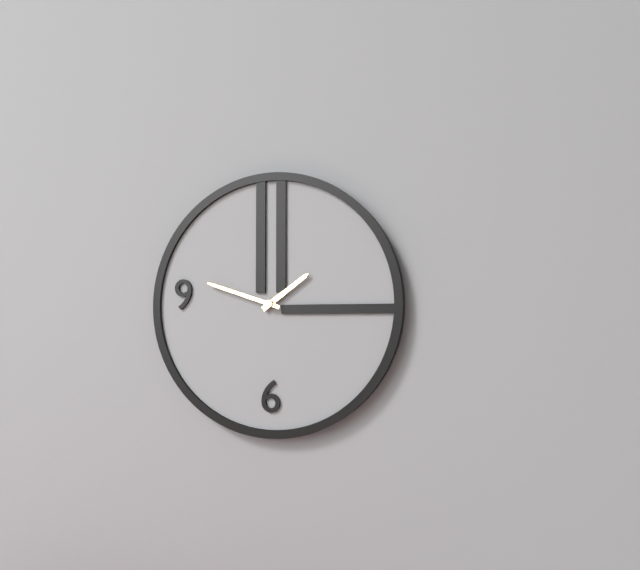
1:48
